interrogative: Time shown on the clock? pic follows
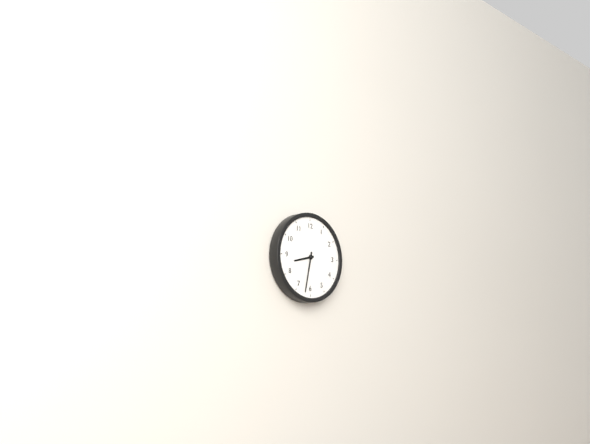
8:32
